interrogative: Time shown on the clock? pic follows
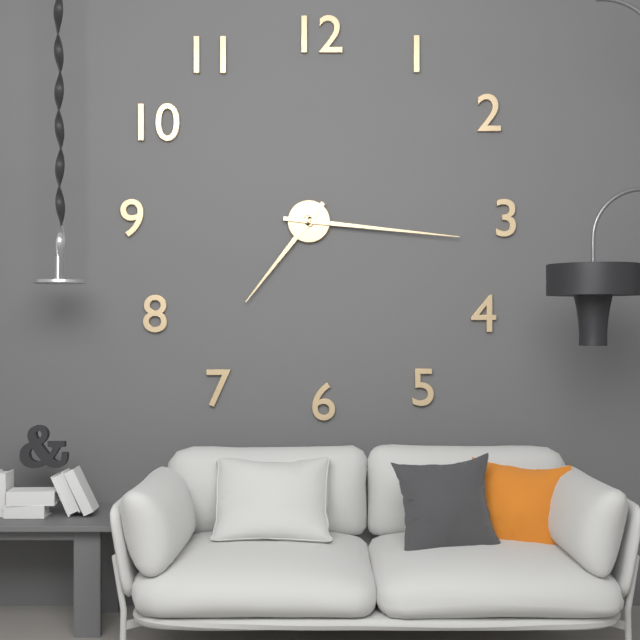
7:16
